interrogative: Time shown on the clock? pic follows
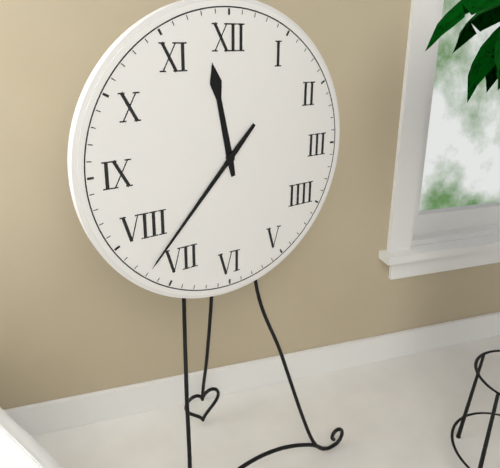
11:37
